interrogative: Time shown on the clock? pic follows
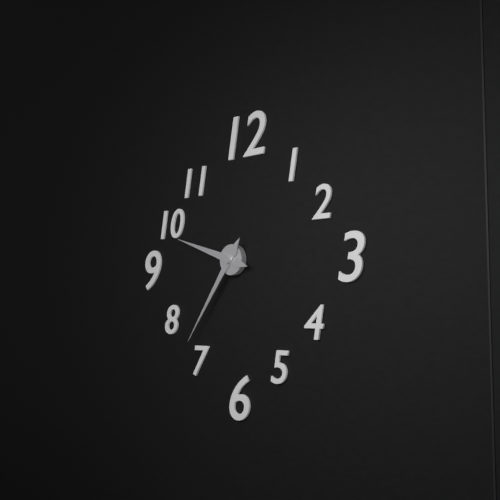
9:36
